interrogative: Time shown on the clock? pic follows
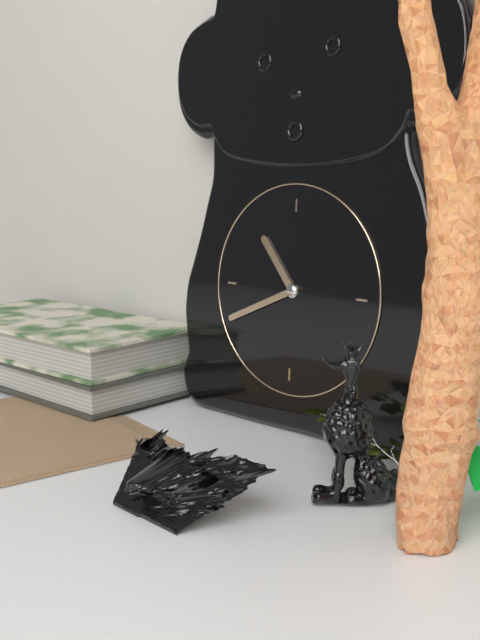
10:41
